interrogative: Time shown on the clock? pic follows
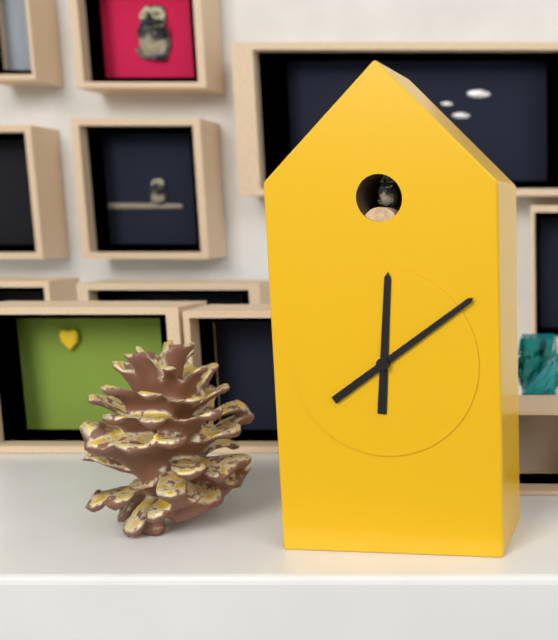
12:09
